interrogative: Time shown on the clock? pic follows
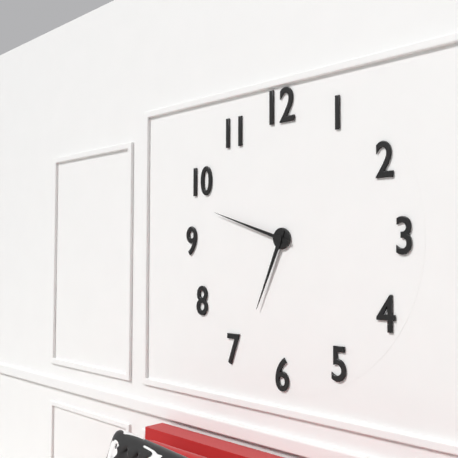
6:48
